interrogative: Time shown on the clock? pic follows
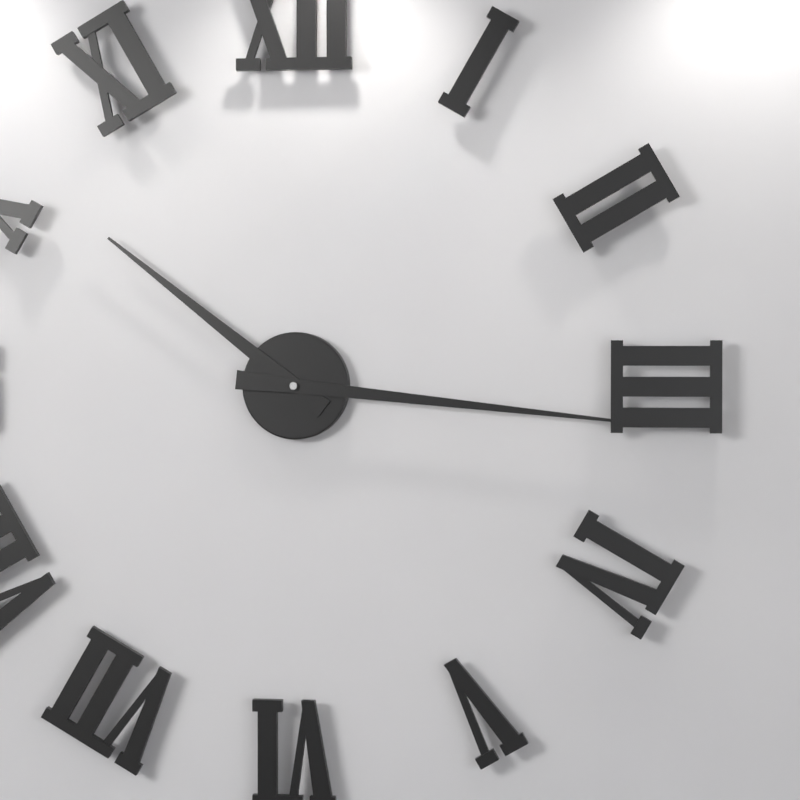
10:16
